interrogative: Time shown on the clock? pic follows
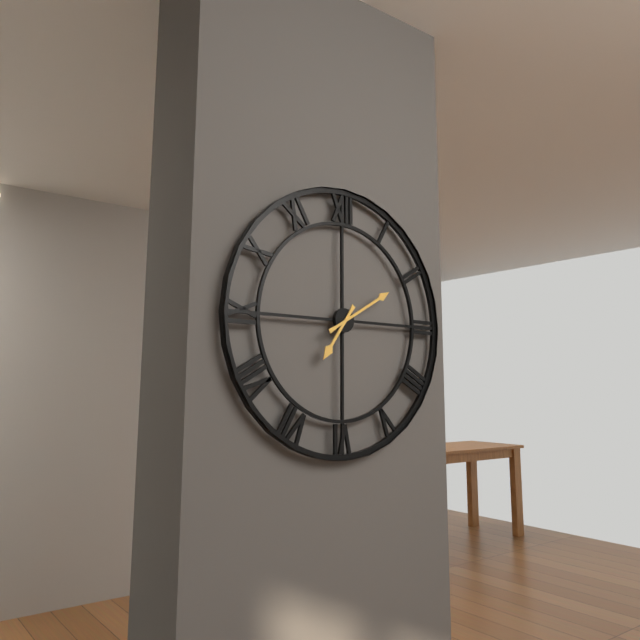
7:10
